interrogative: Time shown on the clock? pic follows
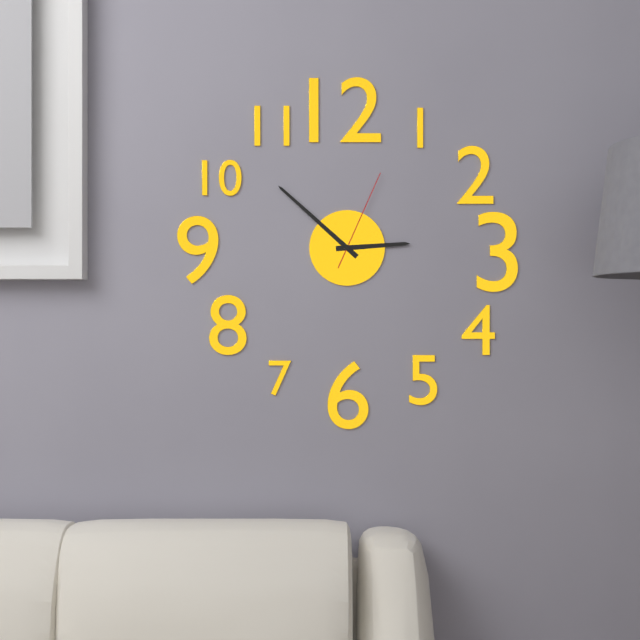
2:52:04
